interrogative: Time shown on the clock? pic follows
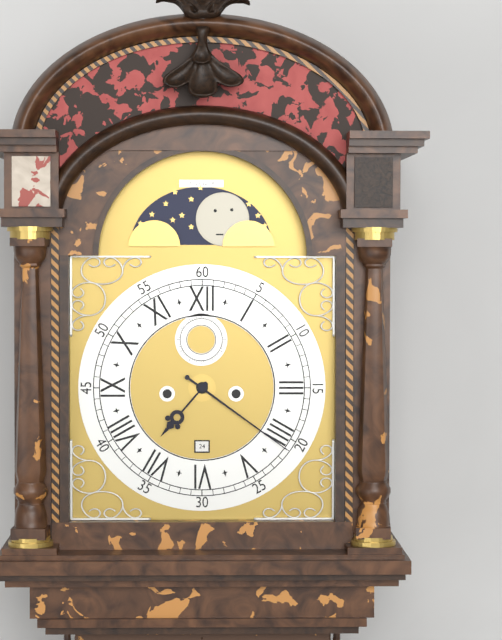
7:21
